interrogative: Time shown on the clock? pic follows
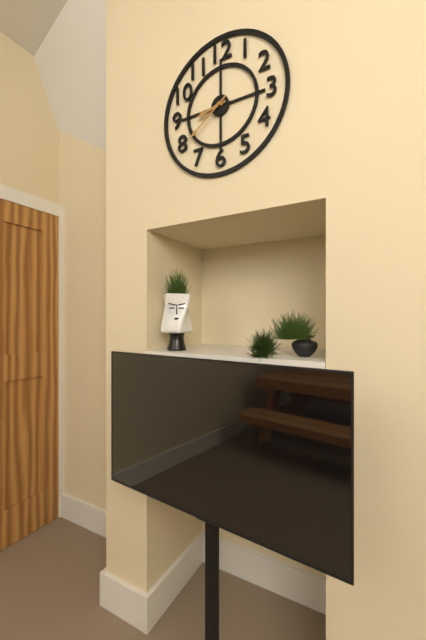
8:39
